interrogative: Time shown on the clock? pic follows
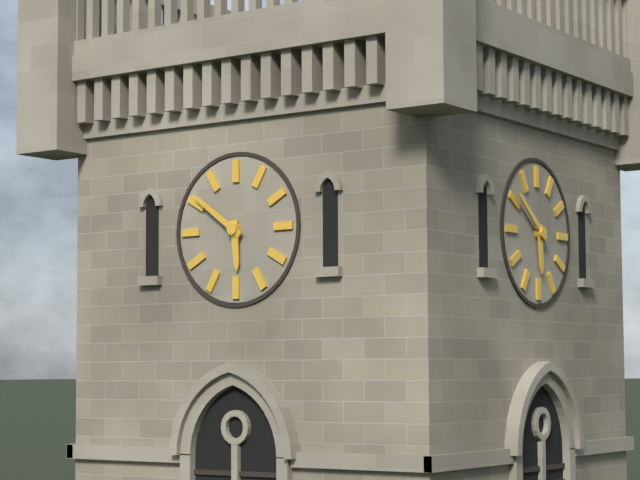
5:51
